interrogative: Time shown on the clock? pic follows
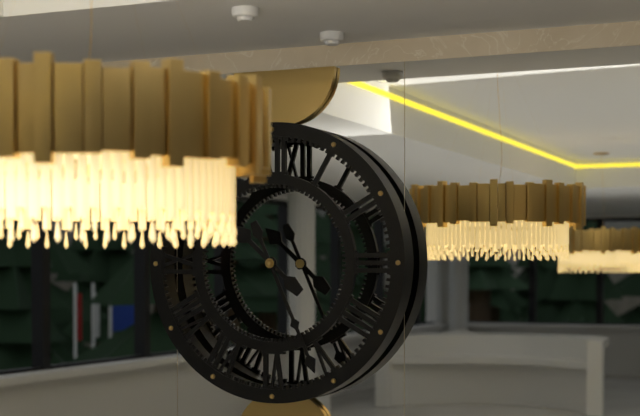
10:26
